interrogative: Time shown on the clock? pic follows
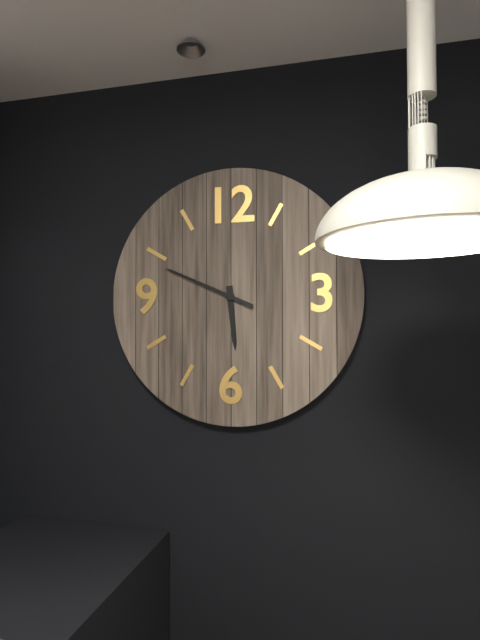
5:49
